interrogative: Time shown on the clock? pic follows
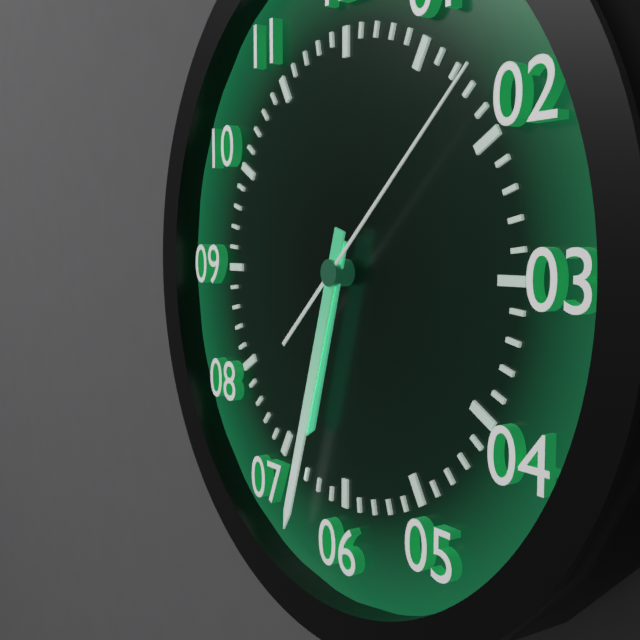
6:33:08
